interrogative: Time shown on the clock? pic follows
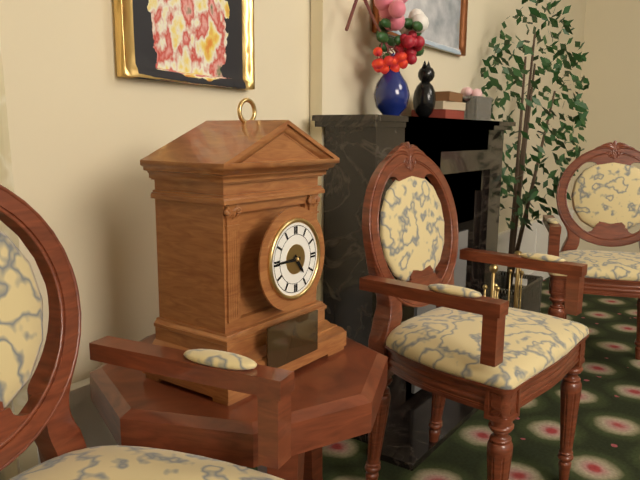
4:45
